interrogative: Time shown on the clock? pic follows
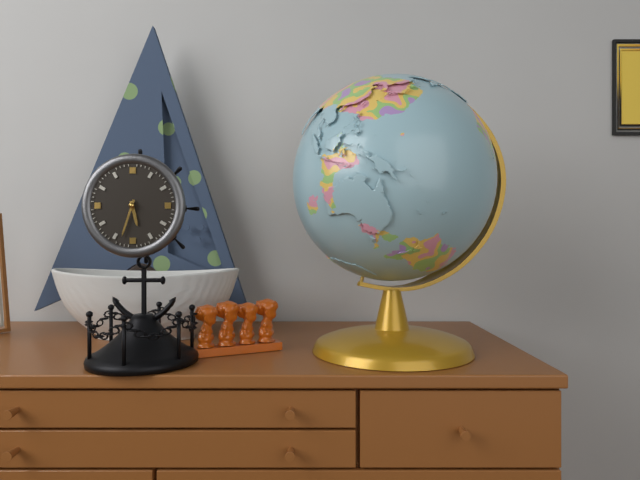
5:33
